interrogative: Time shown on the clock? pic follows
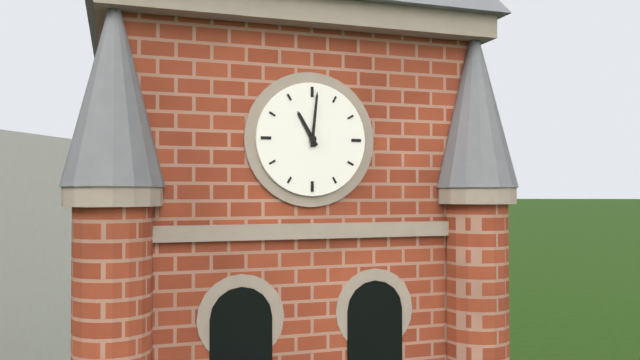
11:01
